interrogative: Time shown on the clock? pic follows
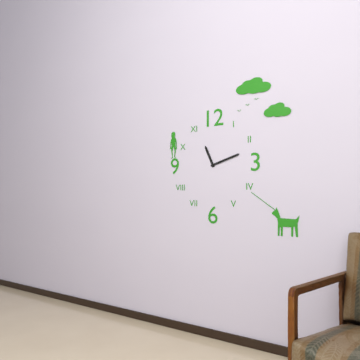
11:12
